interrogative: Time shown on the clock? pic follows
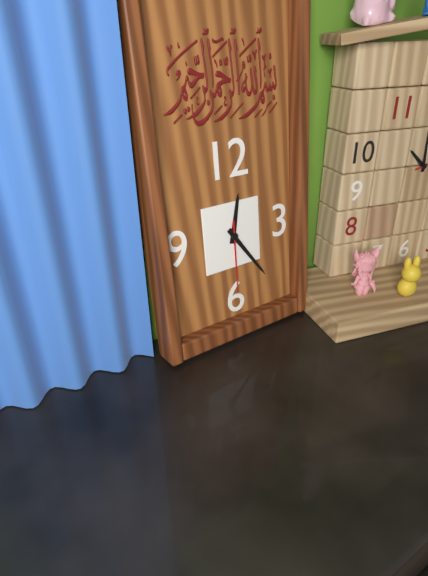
12:24:30
